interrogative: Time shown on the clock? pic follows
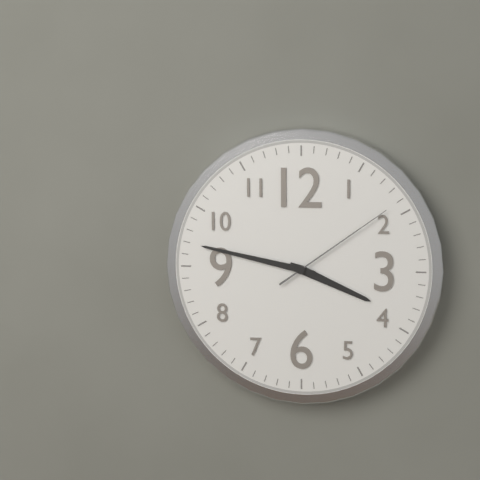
3:47:09
